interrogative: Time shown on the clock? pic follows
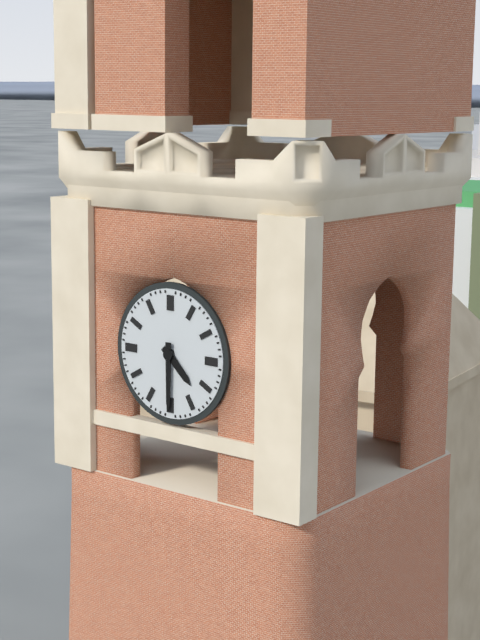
4:30
